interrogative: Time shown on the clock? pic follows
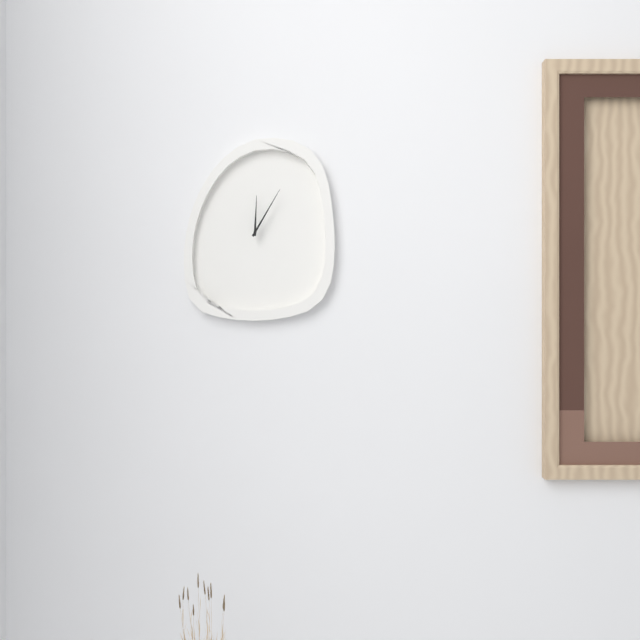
12:05
